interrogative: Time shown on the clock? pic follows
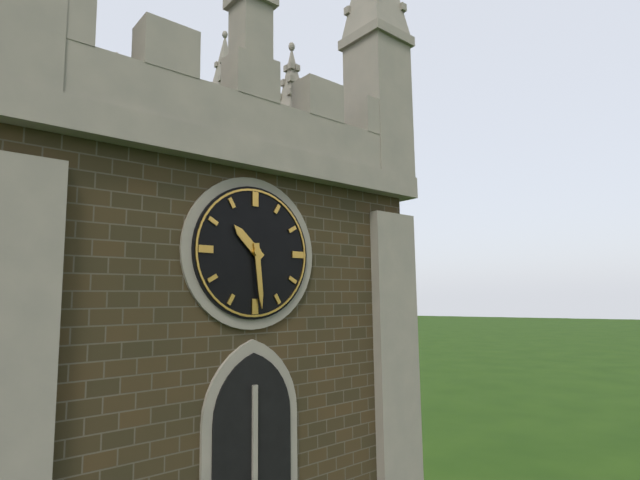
10:29
